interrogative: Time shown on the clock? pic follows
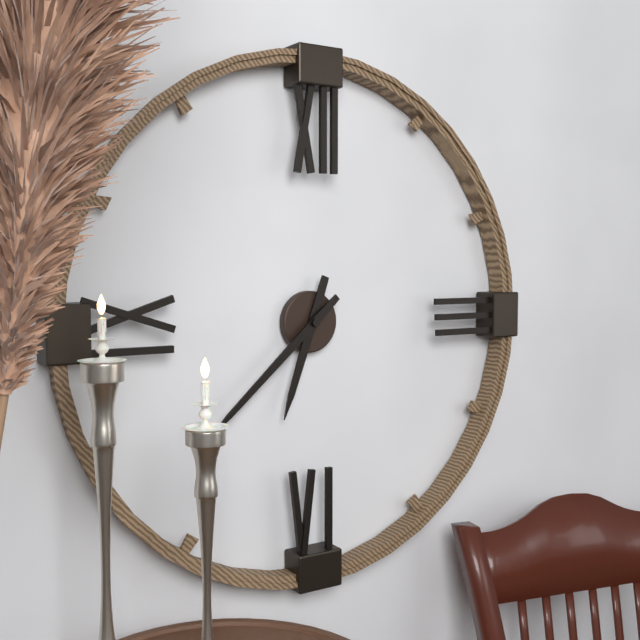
6:38
